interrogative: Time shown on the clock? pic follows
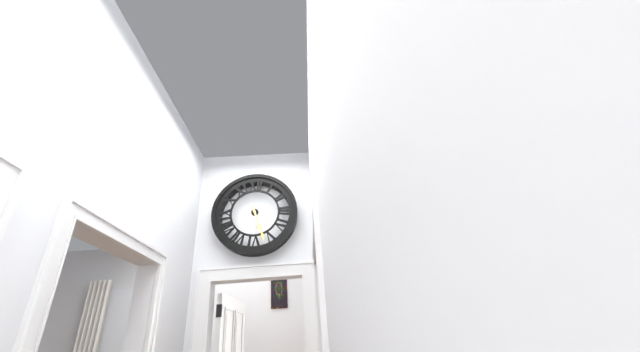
5:27
